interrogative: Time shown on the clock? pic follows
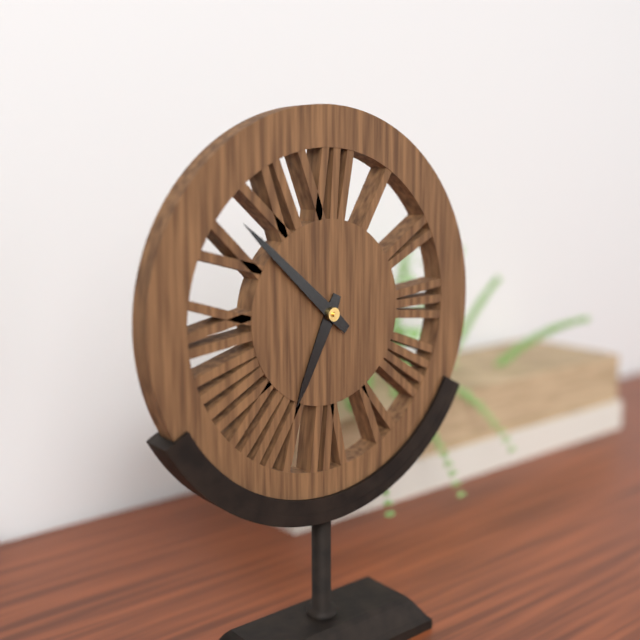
6:52
